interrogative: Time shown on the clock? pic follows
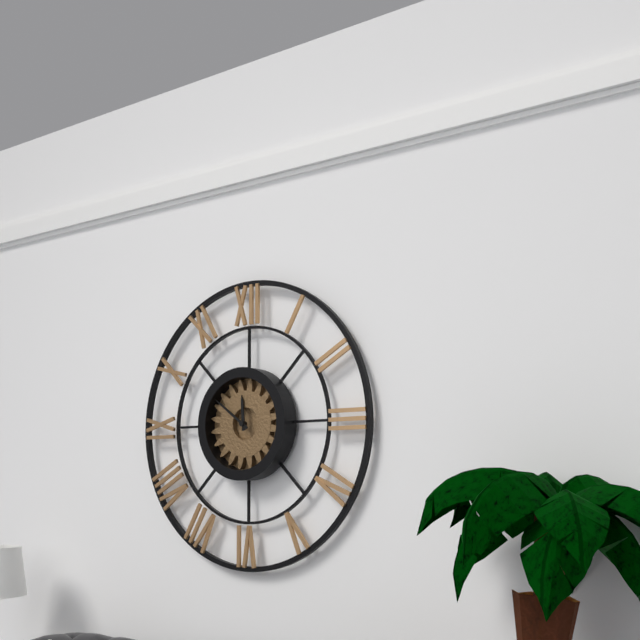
11:51
